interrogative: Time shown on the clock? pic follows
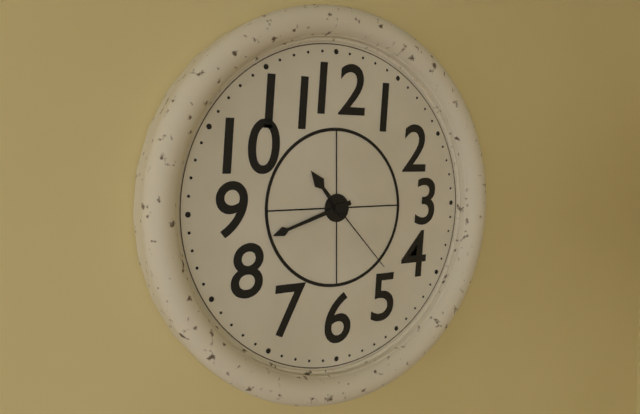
10:42:23
